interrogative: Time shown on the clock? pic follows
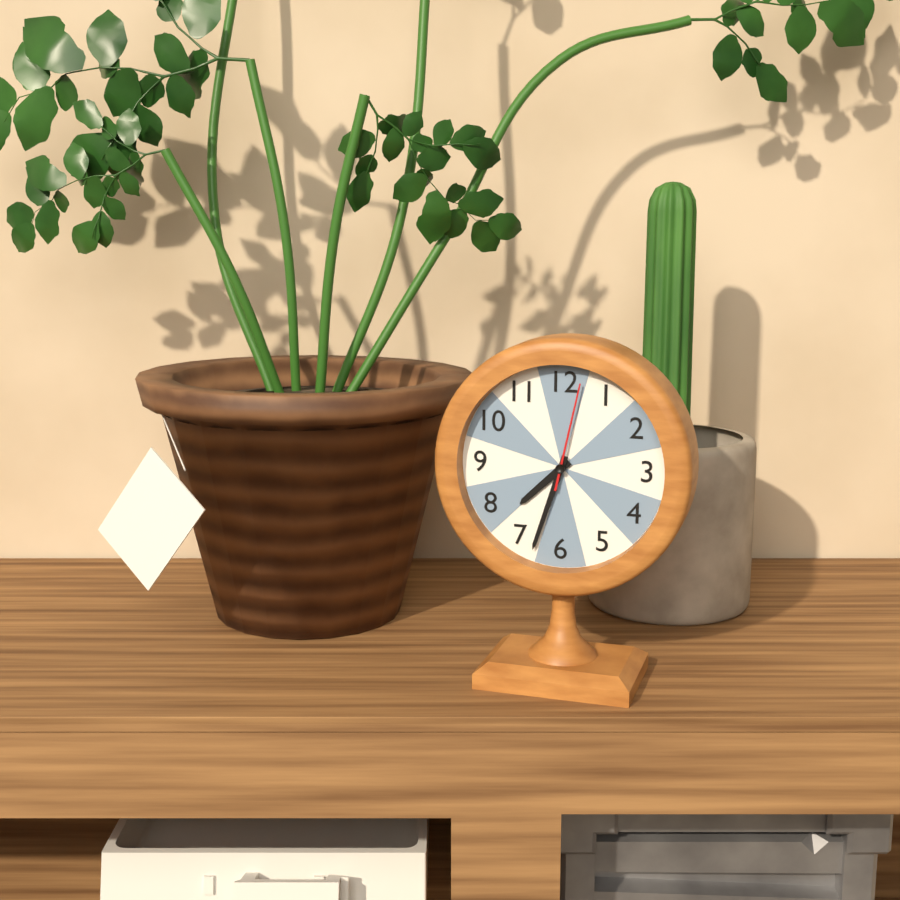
7:33:02
